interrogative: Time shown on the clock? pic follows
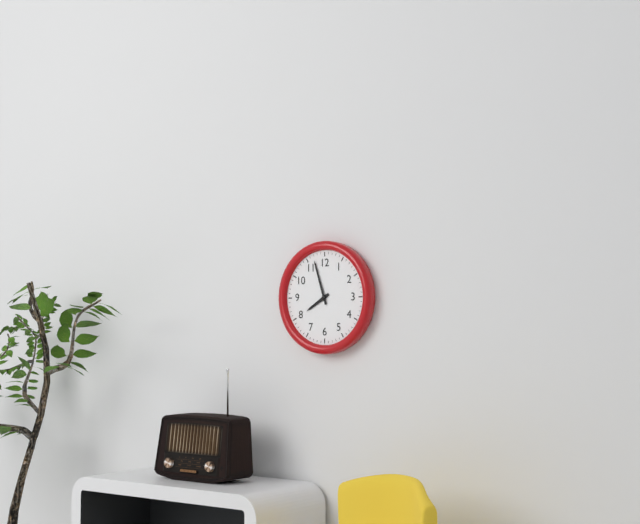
7:57
